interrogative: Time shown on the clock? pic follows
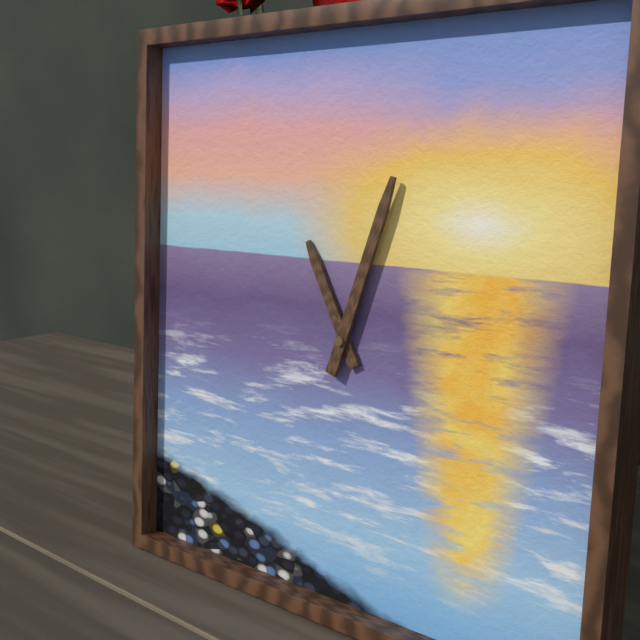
11:03
